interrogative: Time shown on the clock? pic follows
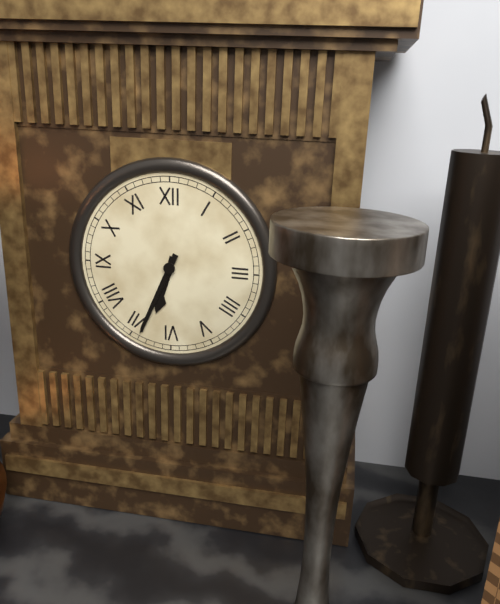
6:34
